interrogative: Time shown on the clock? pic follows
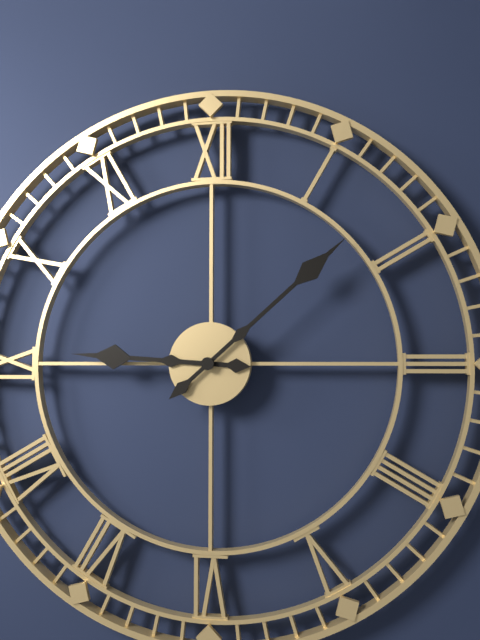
9:08
